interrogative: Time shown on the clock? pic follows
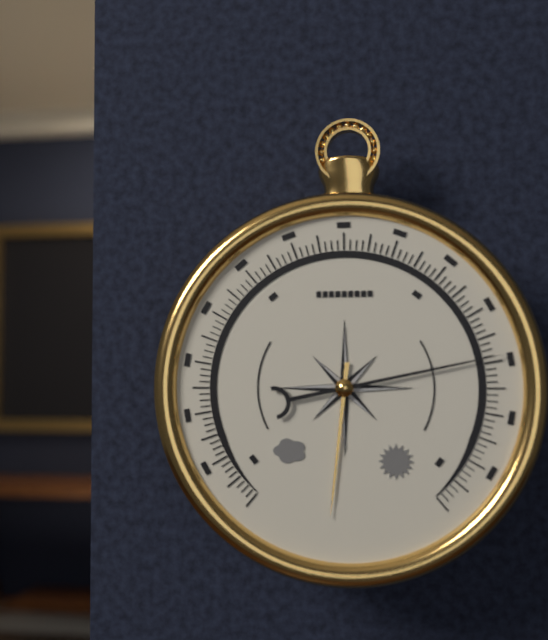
6:13
